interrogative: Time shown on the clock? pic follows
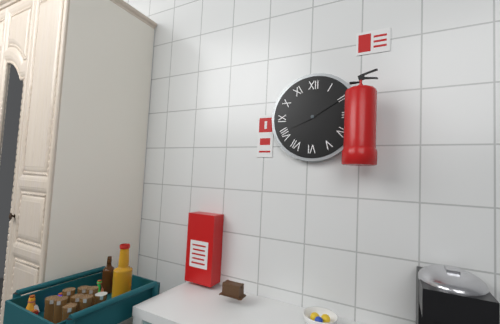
8:10
